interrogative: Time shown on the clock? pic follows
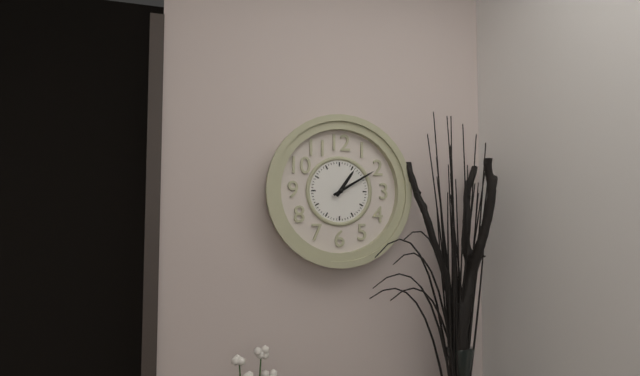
1:10
